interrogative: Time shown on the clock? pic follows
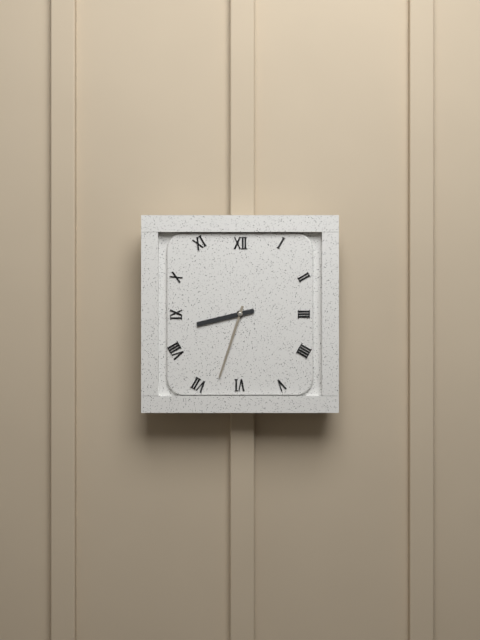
8:33
